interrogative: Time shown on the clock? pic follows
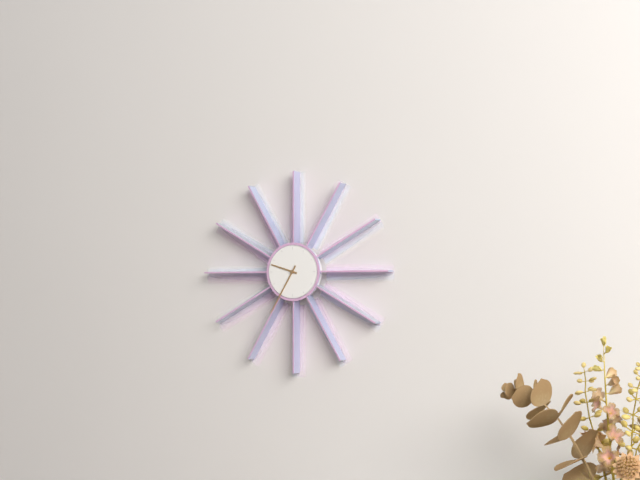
9:35
